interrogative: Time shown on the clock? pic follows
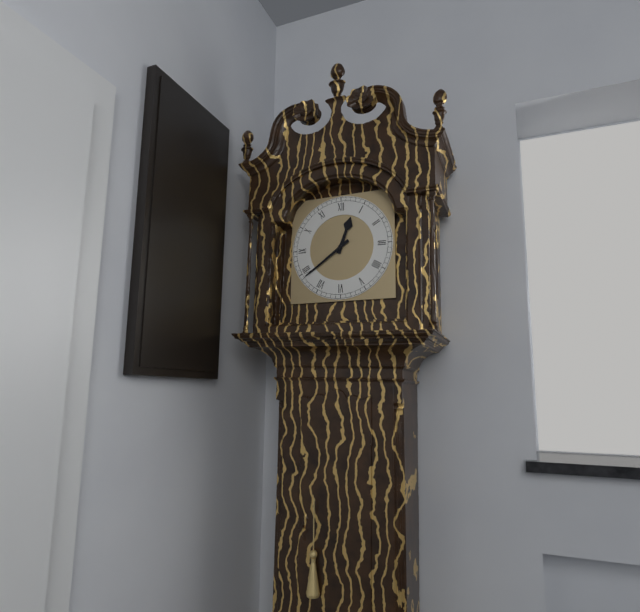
12:39
